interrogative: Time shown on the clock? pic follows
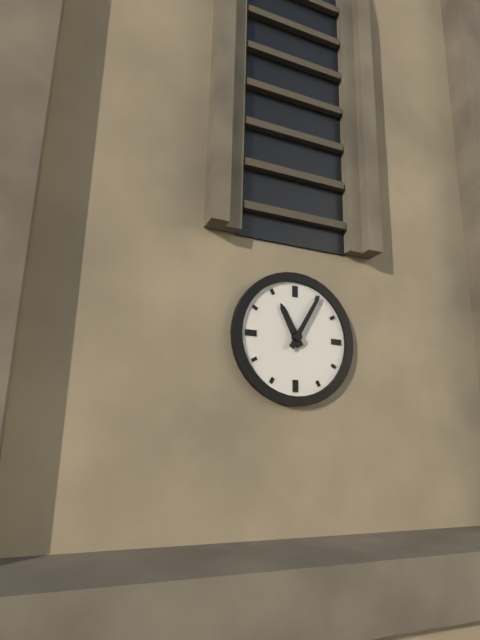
11:05
